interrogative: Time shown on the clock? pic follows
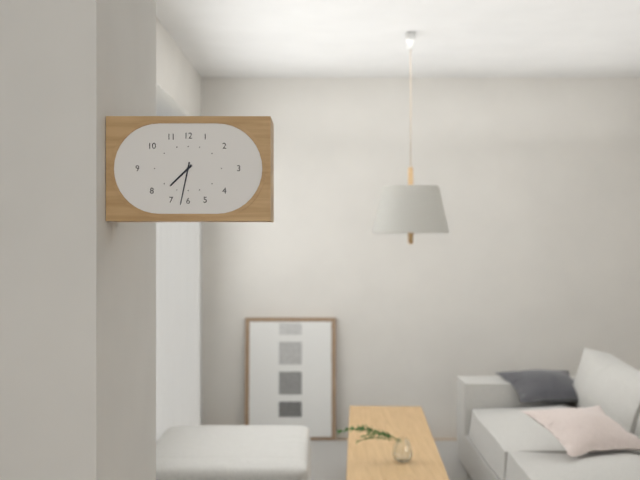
7:32
